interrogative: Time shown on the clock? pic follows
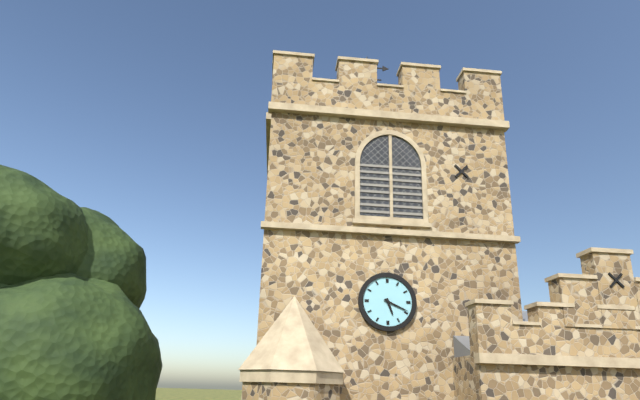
5:19
